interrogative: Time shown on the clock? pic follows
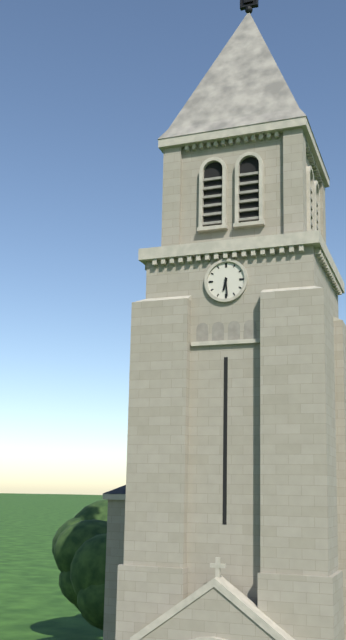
6:29
